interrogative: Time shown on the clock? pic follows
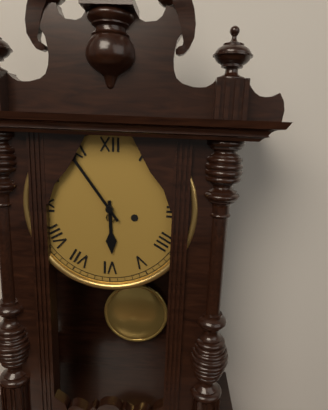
5:54
